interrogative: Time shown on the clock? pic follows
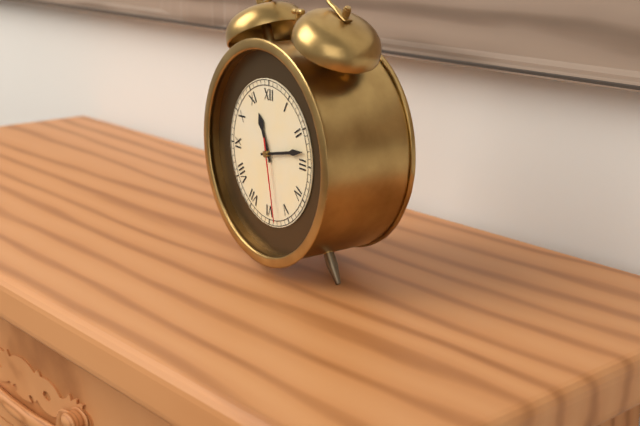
11:13:28
